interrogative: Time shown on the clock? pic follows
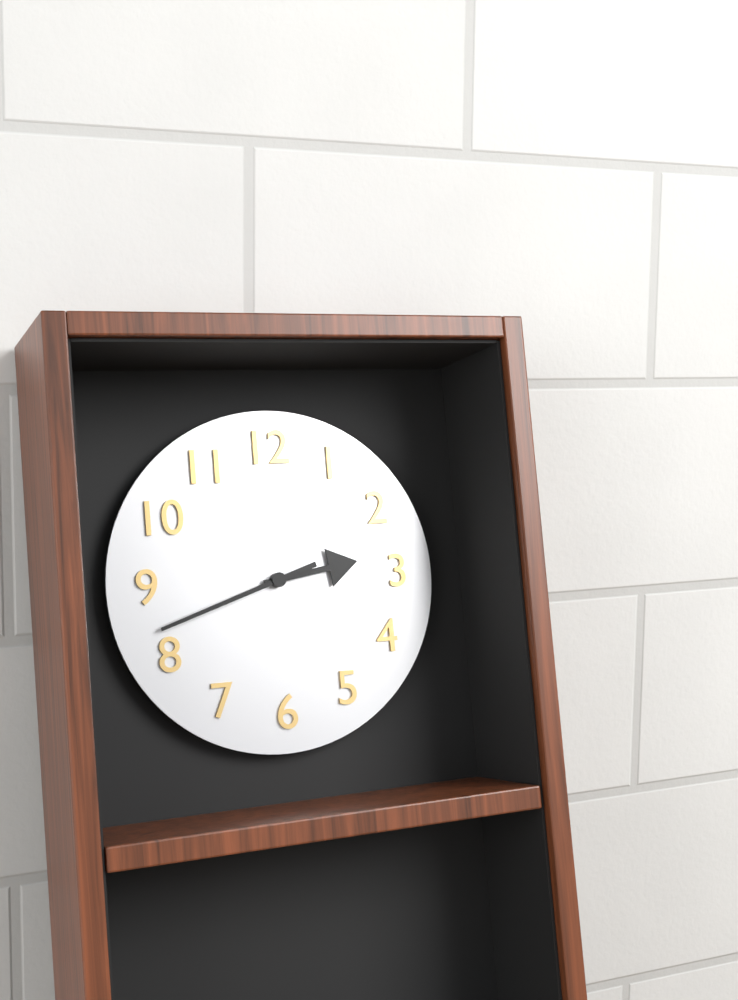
2:42
